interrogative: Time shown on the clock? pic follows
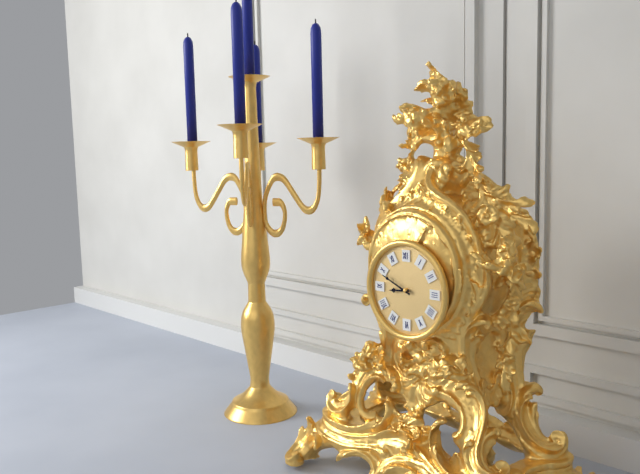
8:49
